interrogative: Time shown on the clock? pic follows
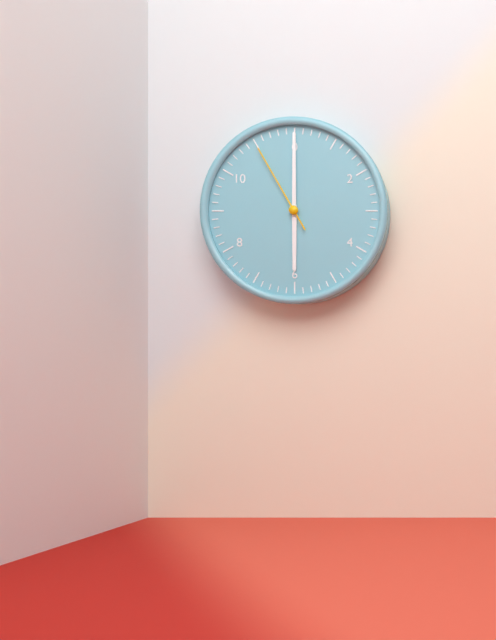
6:00:55
